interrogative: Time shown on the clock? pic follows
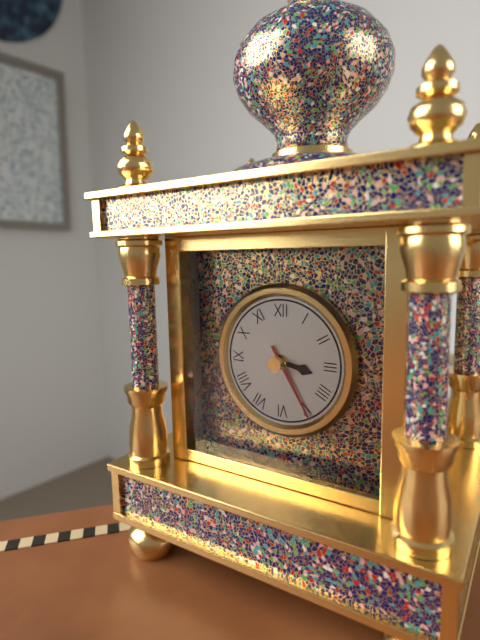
3:25
